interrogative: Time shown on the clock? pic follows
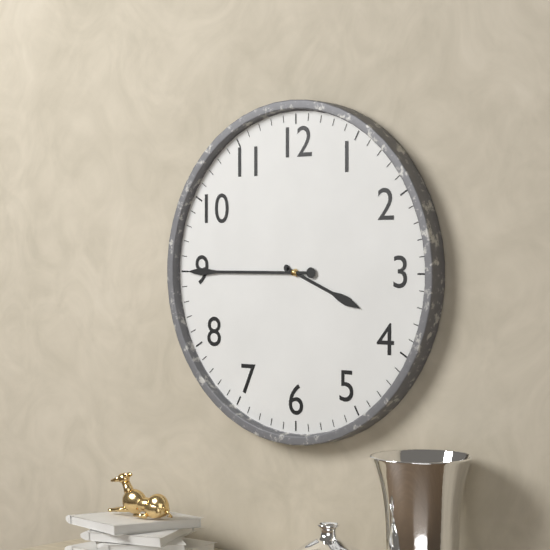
3:45
